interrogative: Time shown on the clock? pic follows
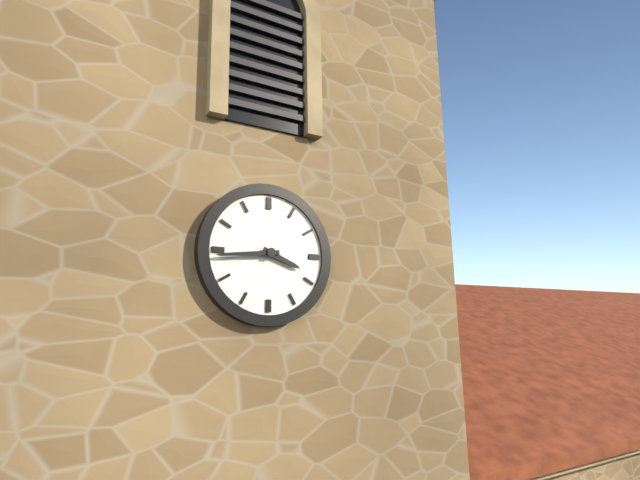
3:44
